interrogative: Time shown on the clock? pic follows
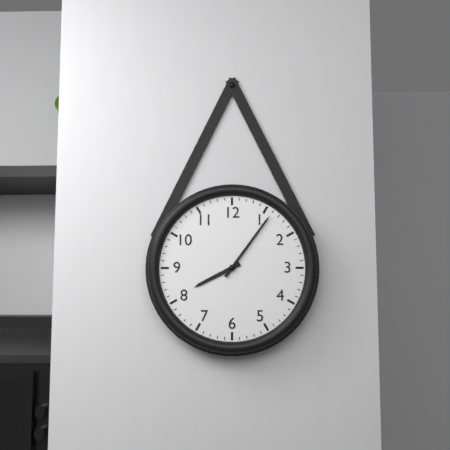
8:06
